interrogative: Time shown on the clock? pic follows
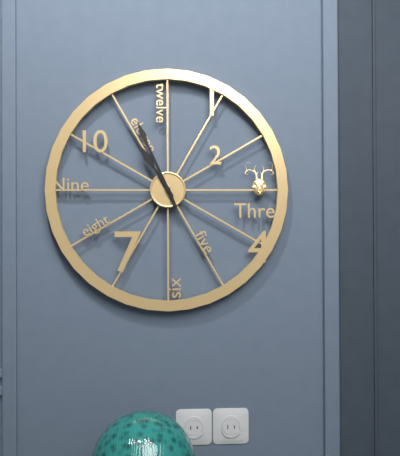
10:56
